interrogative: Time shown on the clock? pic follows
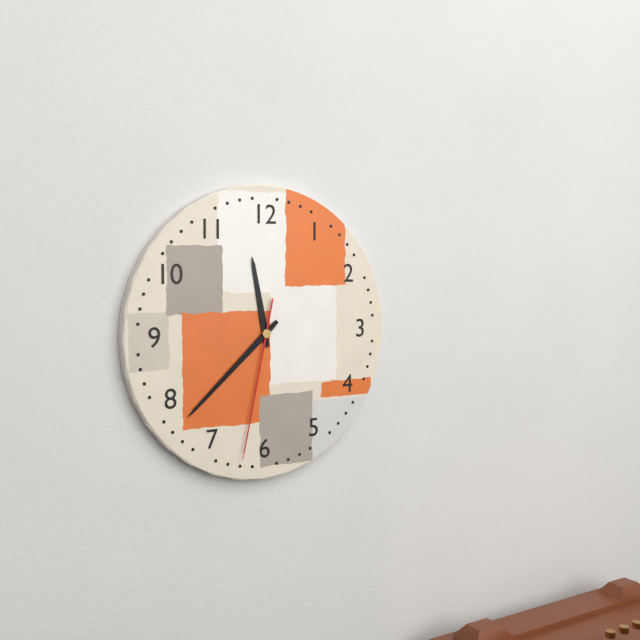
11:38:32
